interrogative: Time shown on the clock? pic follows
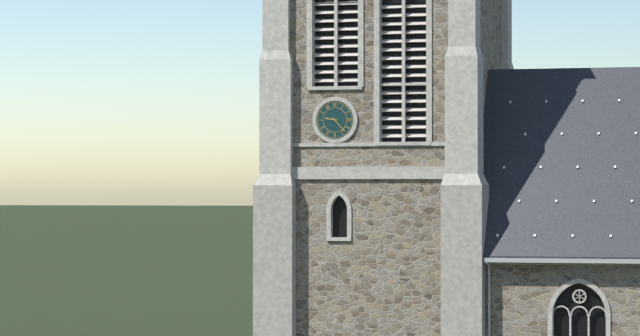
9:23
